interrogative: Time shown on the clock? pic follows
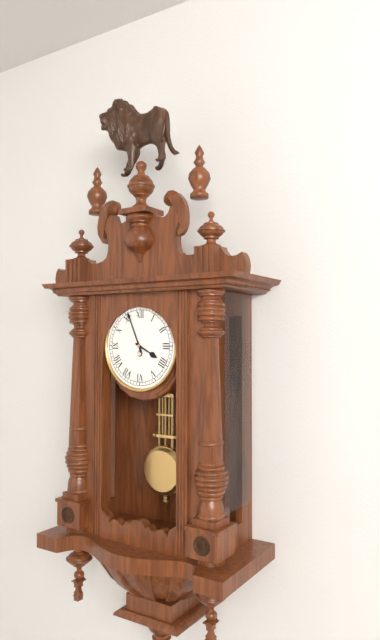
3:56
